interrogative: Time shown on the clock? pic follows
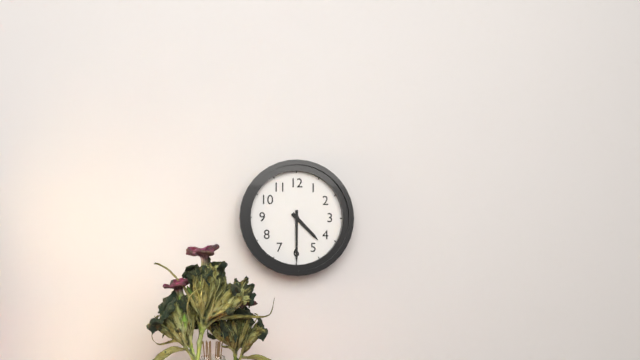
4:30
